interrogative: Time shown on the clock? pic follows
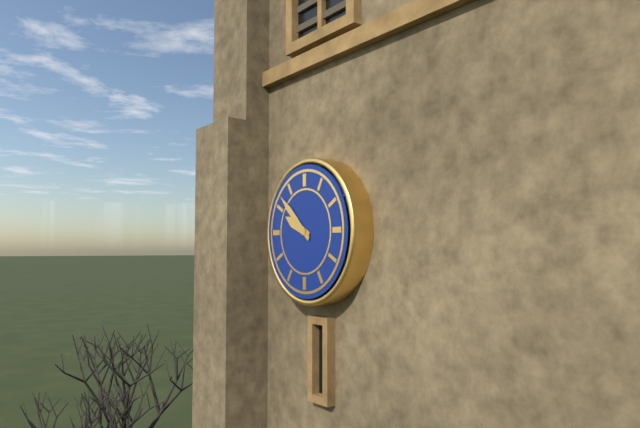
9:52
